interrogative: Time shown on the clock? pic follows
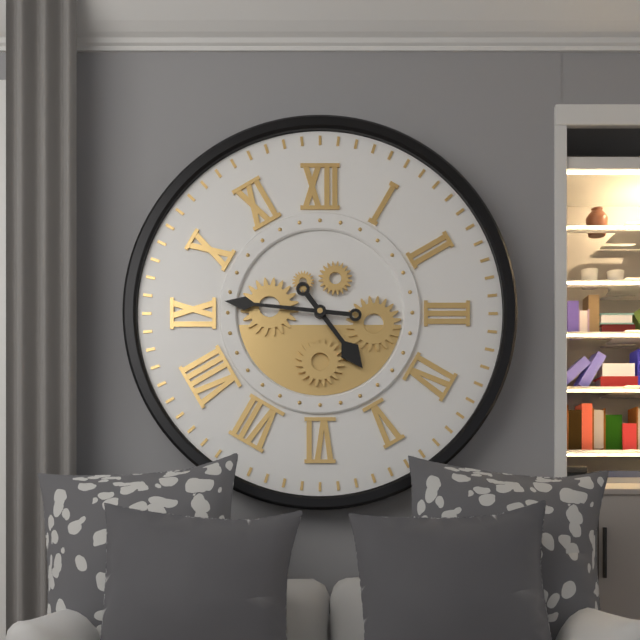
4:46
